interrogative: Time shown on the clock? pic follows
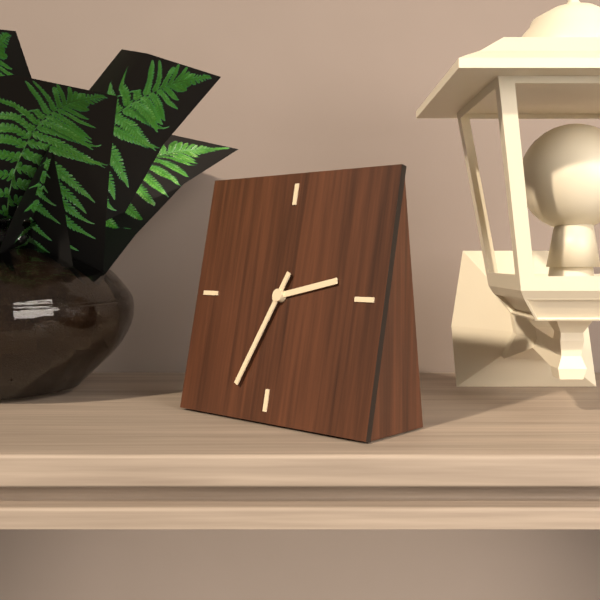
2:34
